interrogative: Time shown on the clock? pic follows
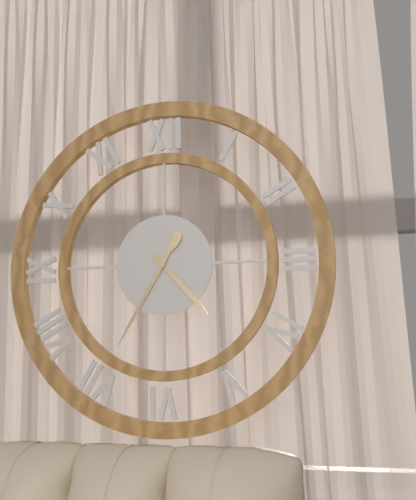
4:35
